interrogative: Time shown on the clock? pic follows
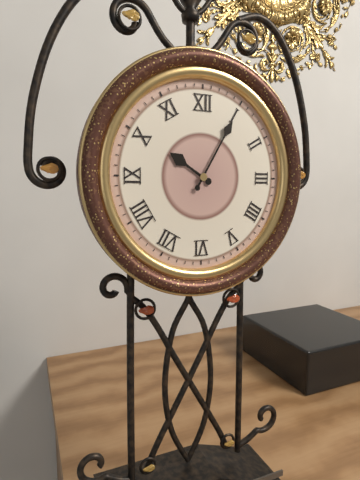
10:05
